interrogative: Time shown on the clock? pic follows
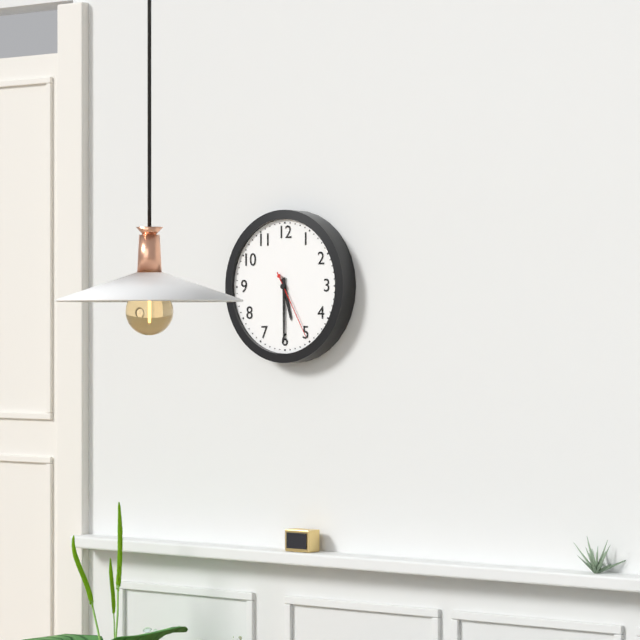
5:30:25
